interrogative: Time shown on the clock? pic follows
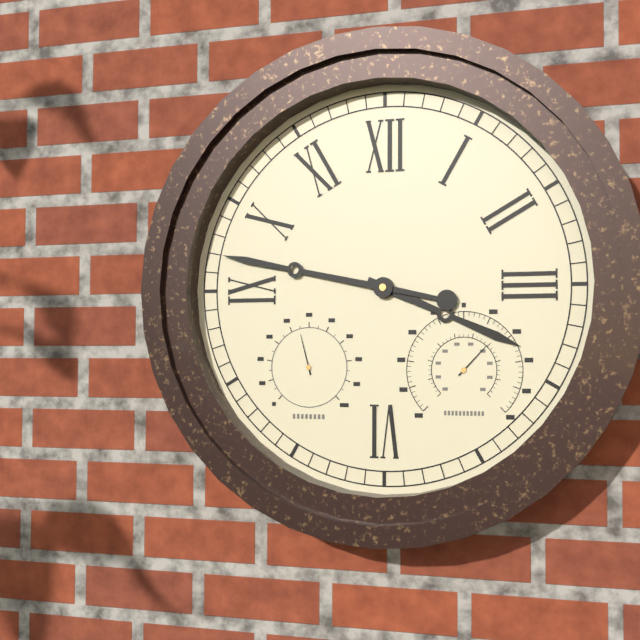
3:47
